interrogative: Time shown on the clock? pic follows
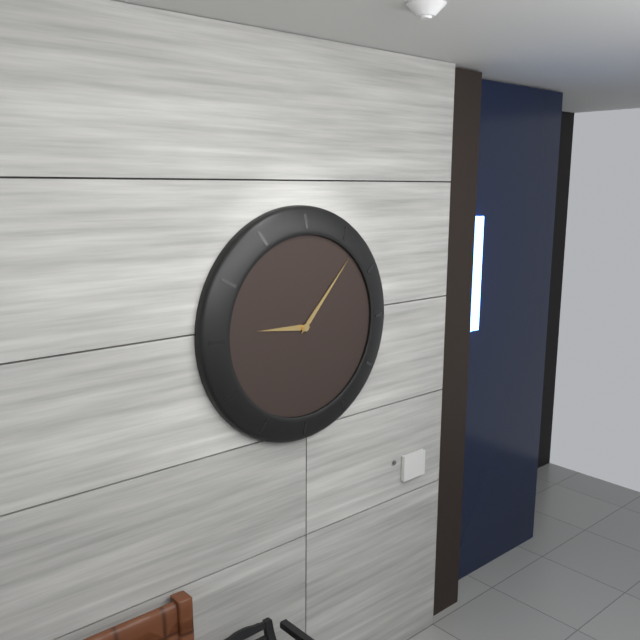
9:07
